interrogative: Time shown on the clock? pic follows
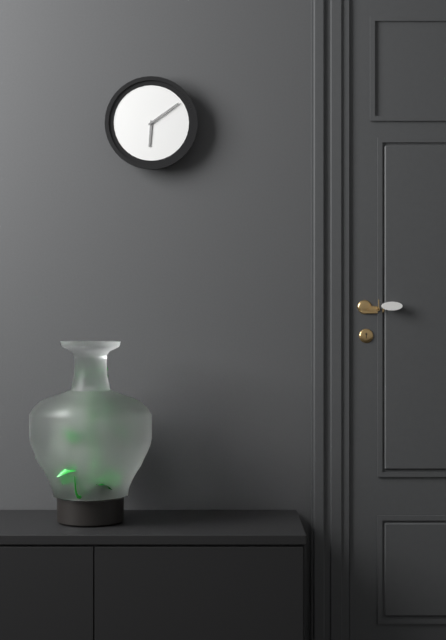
6:09
